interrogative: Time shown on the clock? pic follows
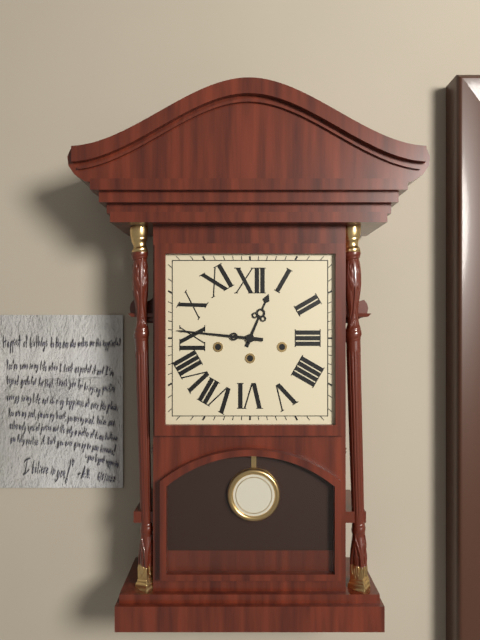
12:46
